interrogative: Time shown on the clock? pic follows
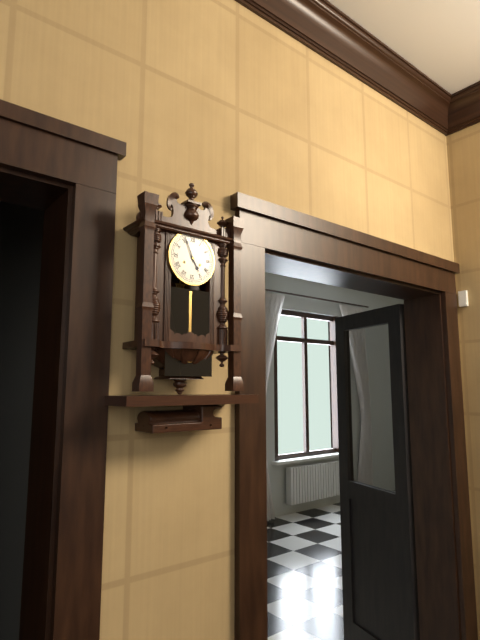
4:56
